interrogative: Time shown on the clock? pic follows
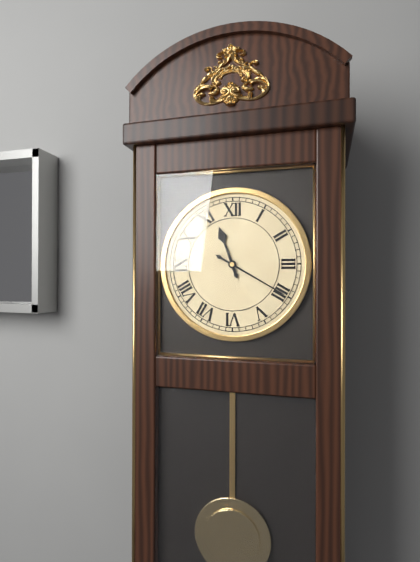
11:20
